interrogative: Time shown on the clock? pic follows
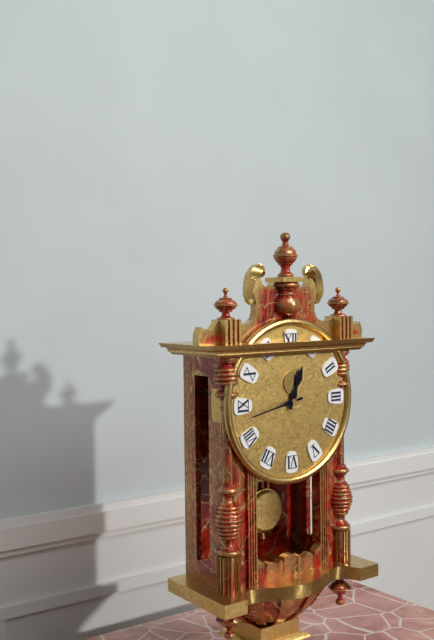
12:43
